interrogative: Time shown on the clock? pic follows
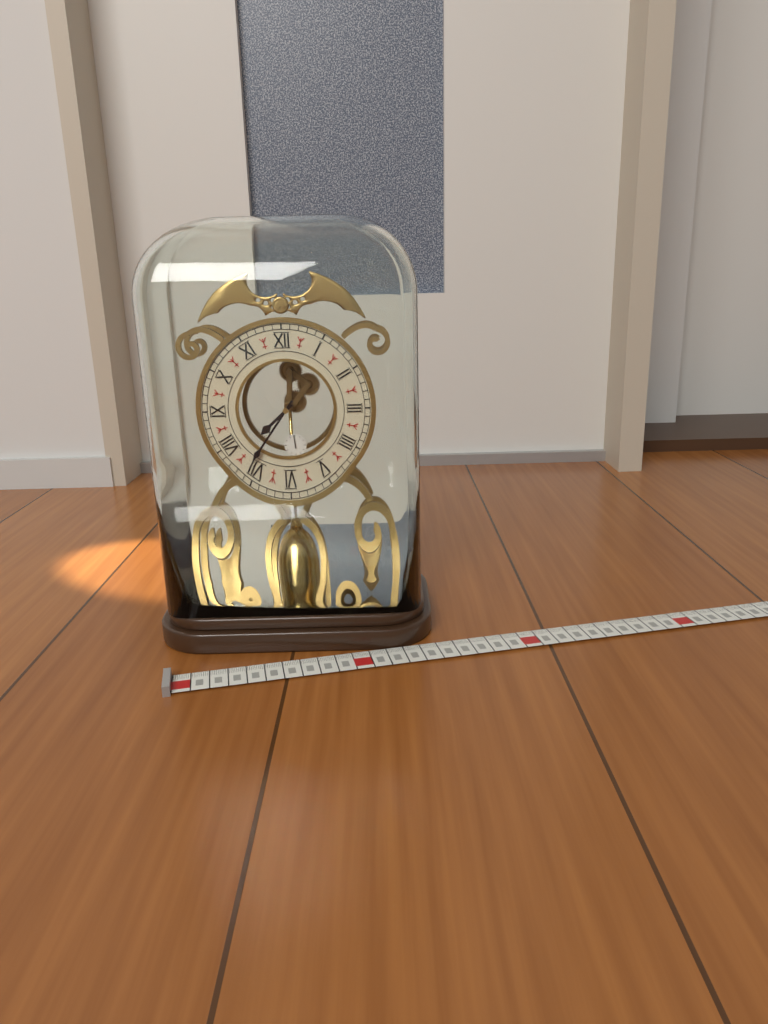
7:36
